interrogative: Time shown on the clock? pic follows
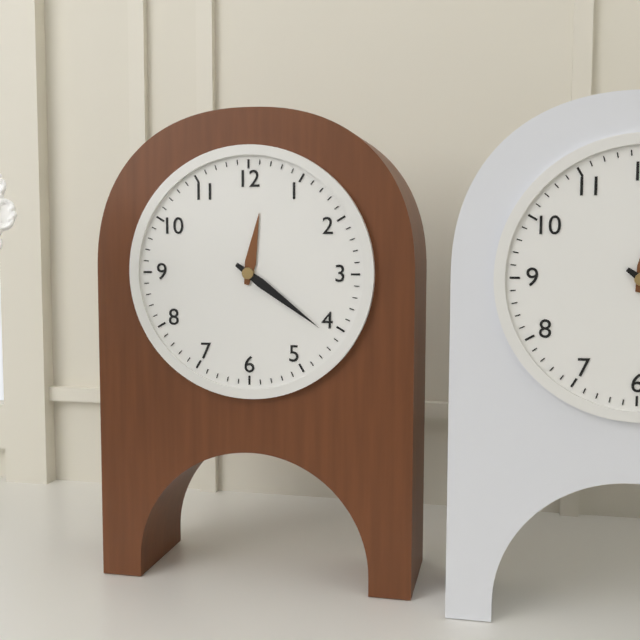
12:21
